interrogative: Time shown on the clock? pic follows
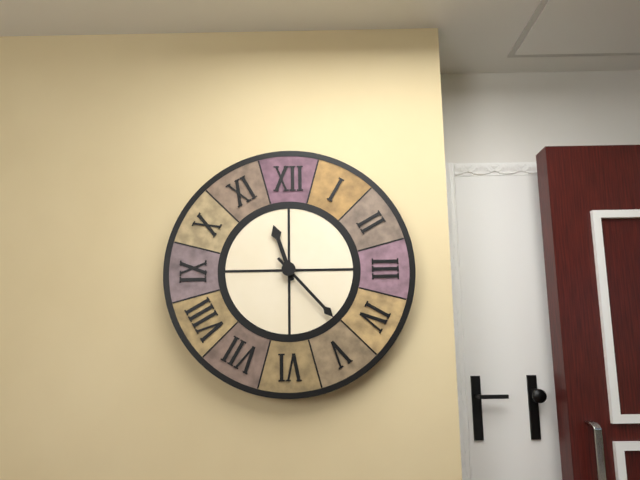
11:23
